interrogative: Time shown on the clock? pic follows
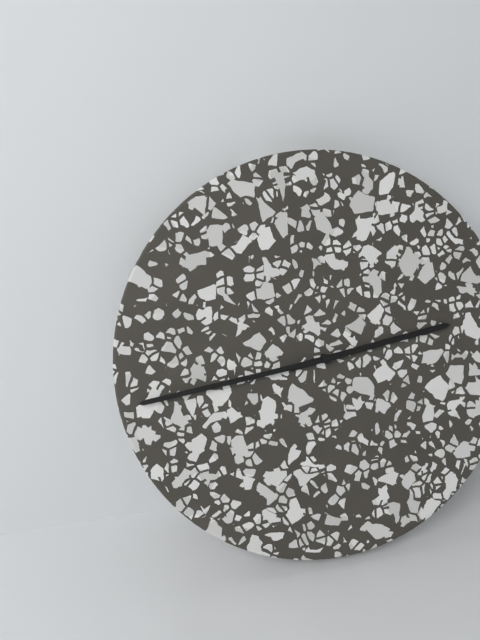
2:44
